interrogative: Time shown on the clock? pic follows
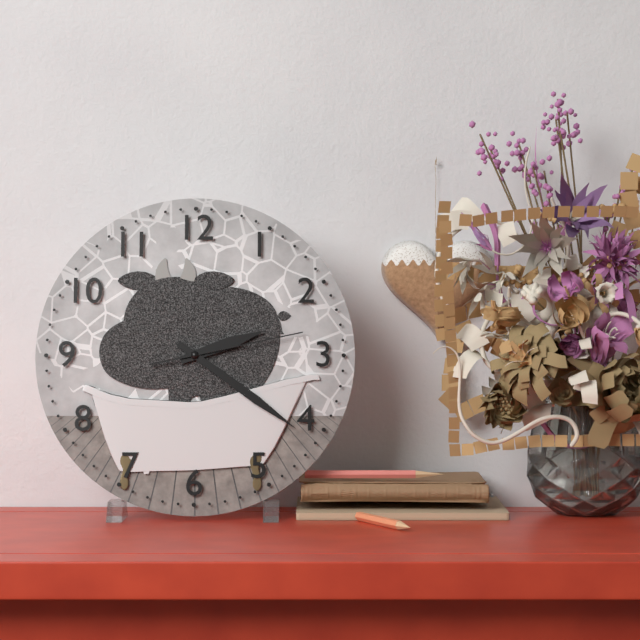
2:21:13
